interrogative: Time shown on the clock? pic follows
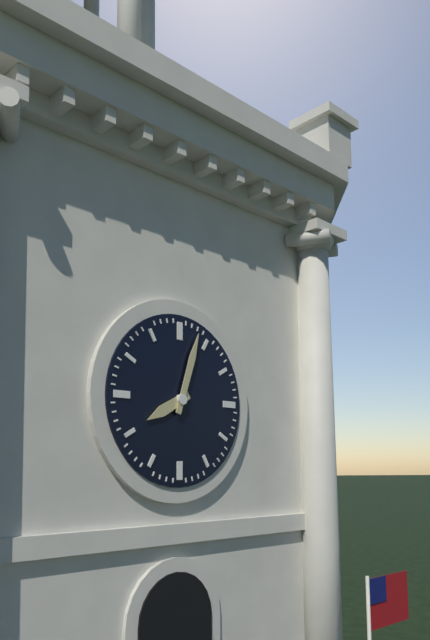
8:03
